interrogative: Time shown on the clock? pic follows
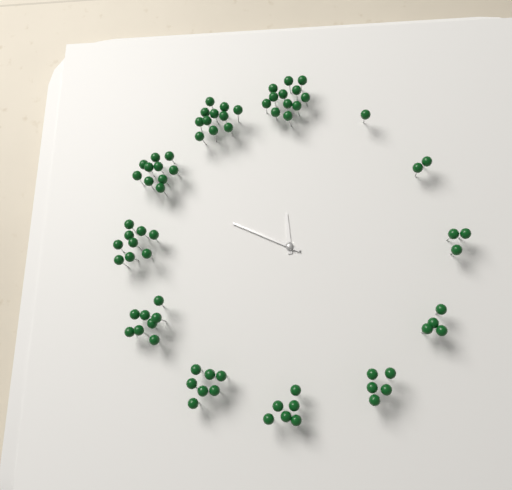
11:49
